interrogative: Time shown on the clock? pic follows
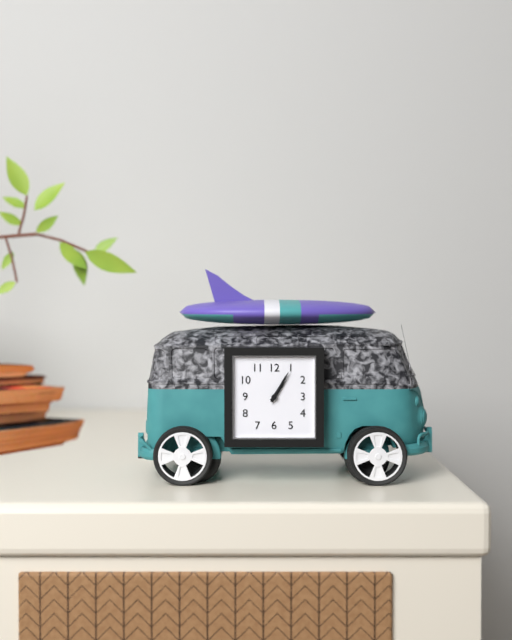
1:05
